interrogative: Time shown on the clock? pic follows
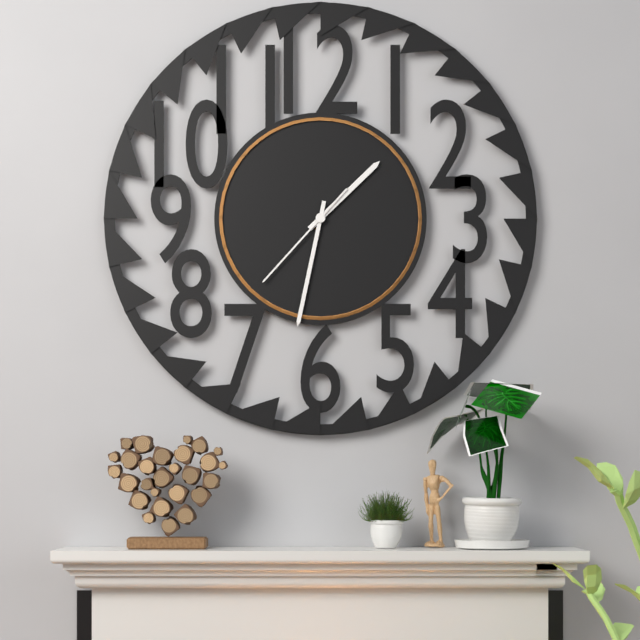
1:32:37
